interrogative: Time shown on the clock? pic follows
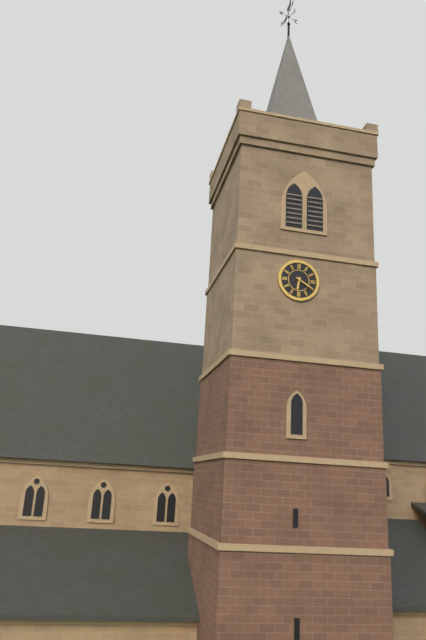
6:20
